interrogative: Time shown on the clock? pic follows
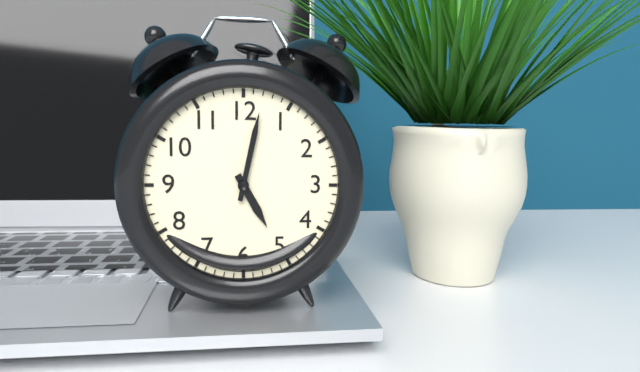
5:02
